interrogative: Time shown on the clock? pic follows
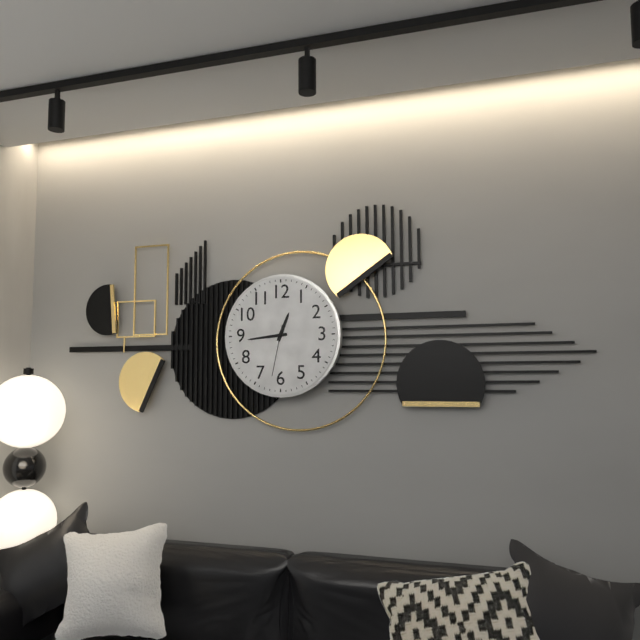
12:44:32
